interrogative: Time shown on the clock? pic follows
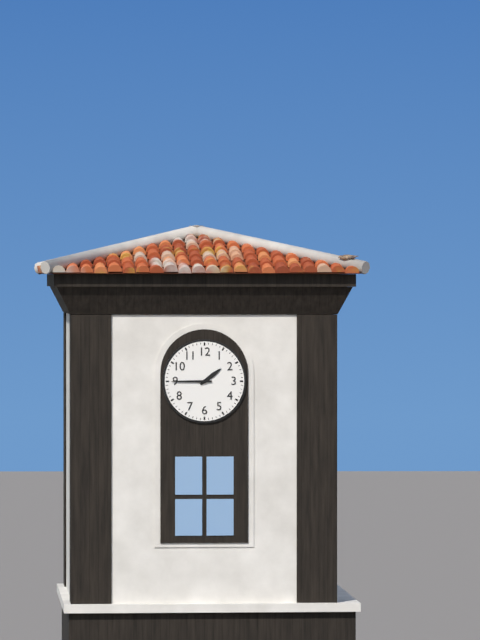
1:45
